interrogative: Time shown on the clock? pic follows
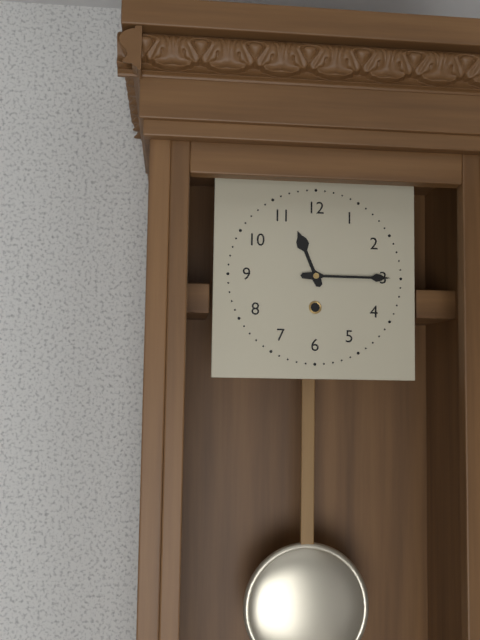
11:15
